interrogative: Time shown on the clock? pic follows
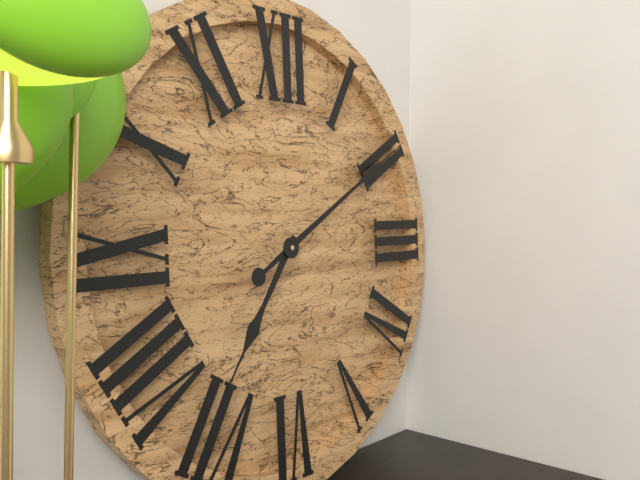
7:10
